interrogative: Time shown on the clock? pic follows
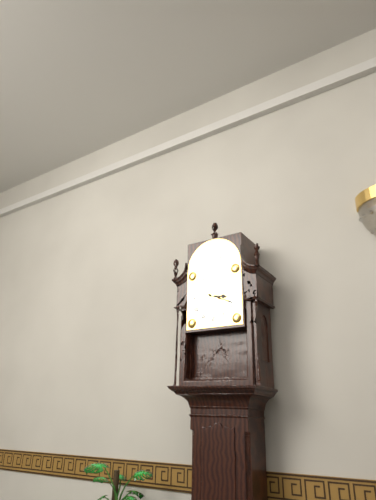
3:19
